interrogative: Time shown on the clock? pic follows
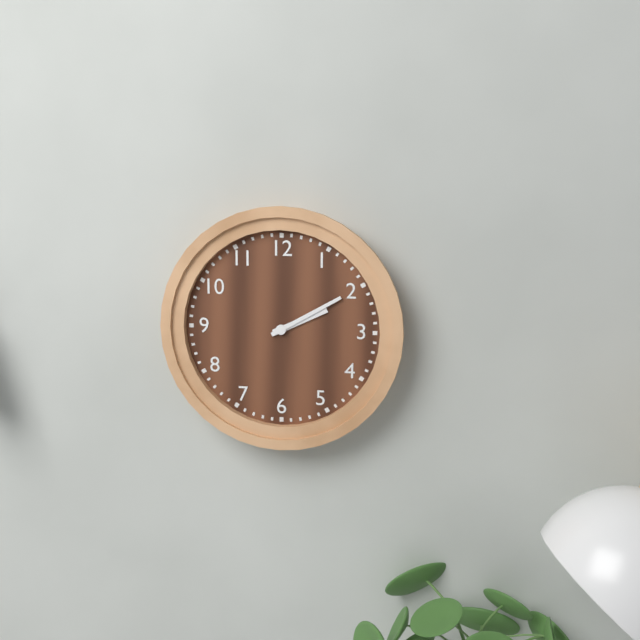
2:10
